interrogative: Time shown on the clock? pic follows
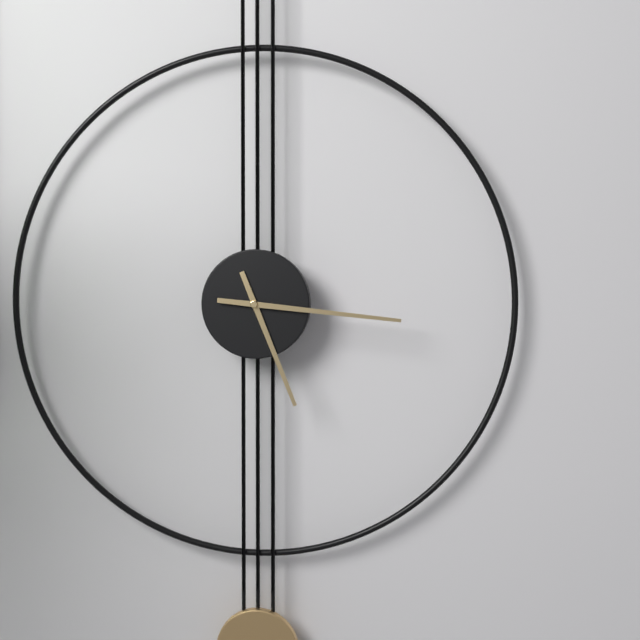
5:16
